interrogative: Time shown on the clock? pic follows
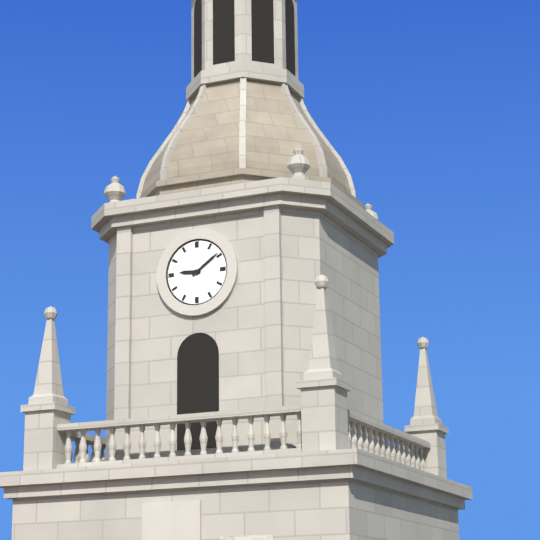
9:09
